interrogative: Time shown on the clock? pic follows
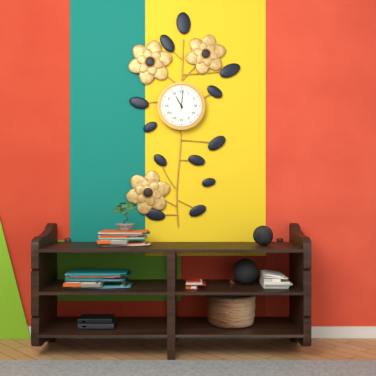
11:01
